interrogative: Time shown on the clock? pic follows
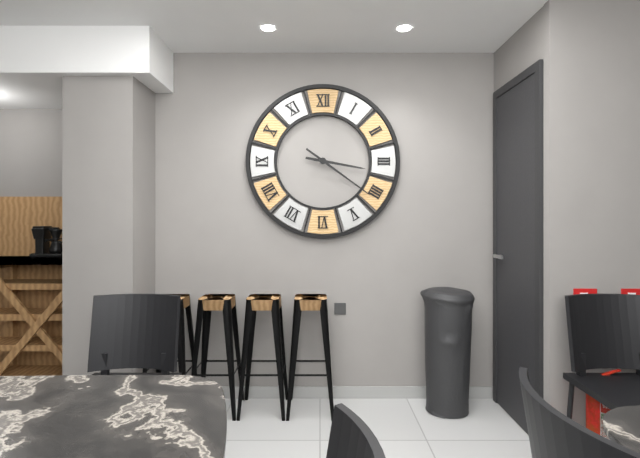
3:21
